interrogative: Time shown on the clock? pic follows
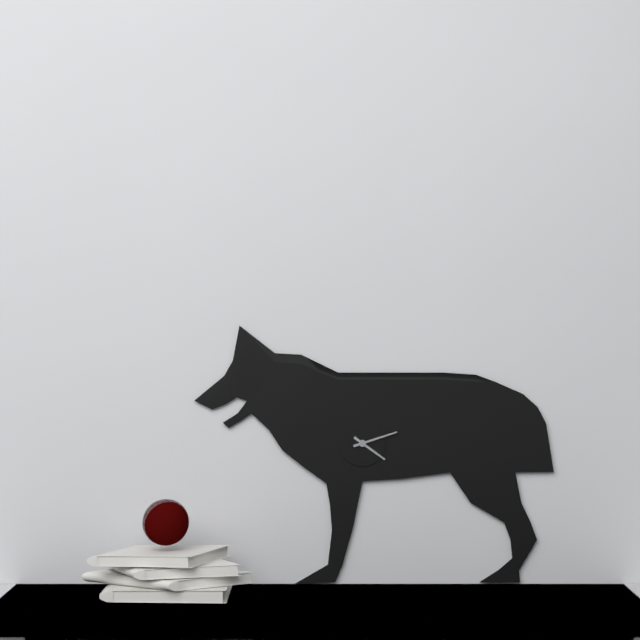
4:12
